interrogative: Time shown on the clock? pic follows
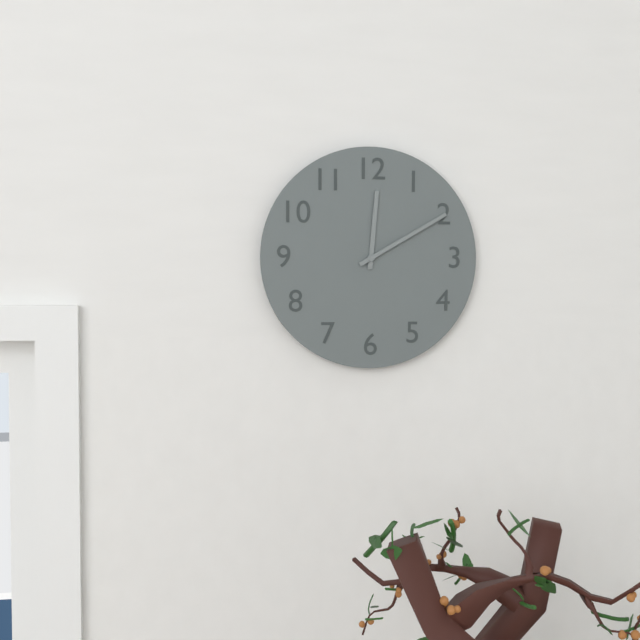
12:10
